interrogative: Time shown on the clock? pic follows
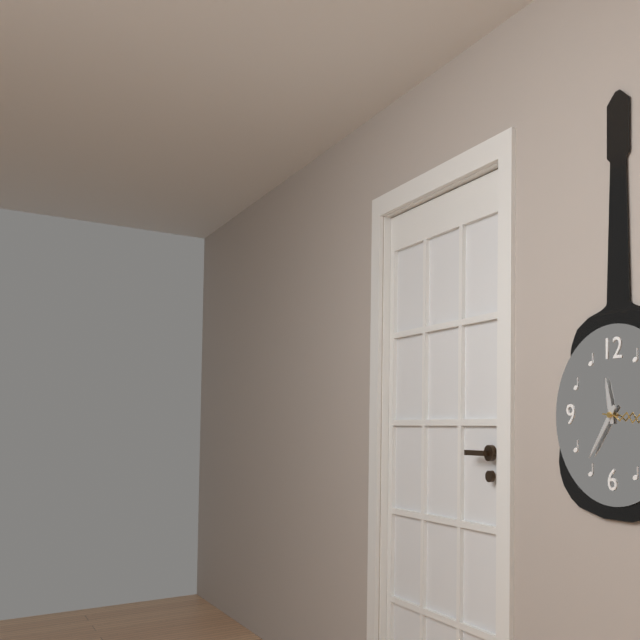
11:36
